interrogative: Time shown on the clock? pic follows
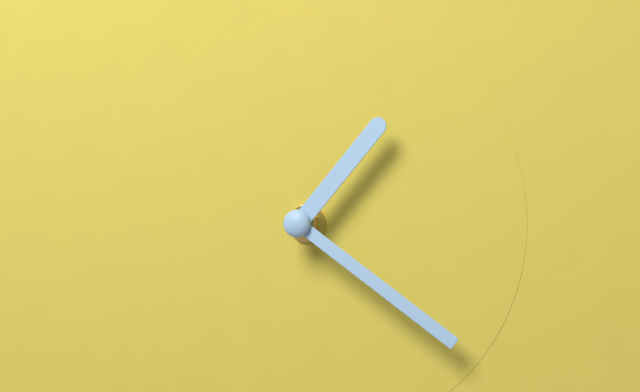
1:21
